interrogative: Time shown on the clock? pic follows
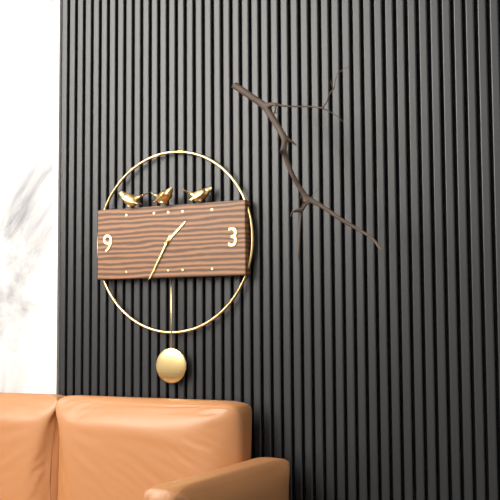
1:35
